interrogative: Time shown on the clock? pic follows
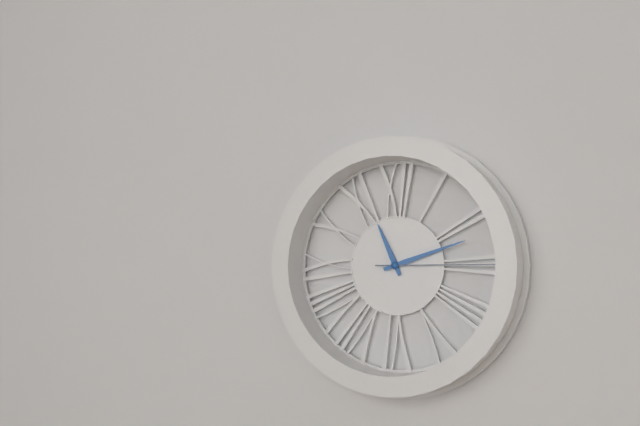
11:12:15
